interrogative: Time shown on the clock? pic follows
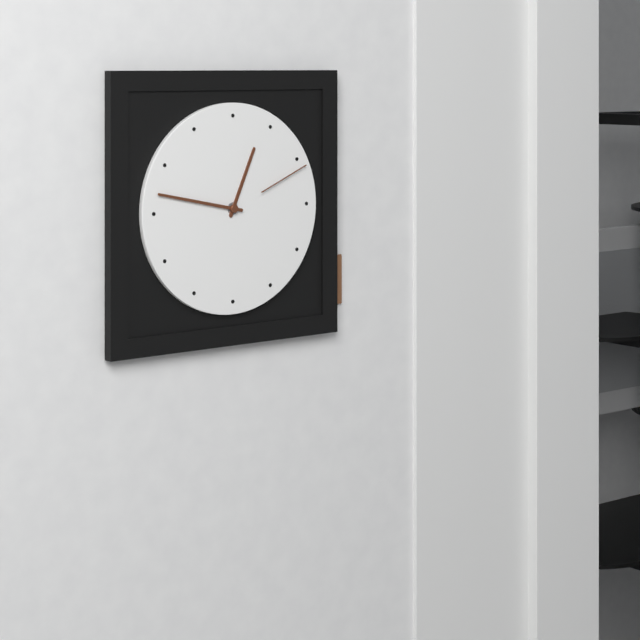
12:47:11
